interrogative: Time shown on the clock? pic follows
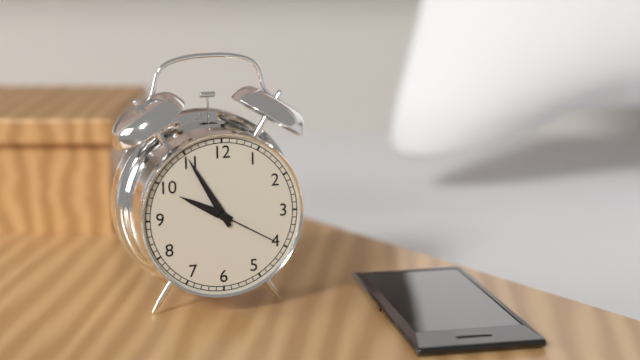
9:55:20
